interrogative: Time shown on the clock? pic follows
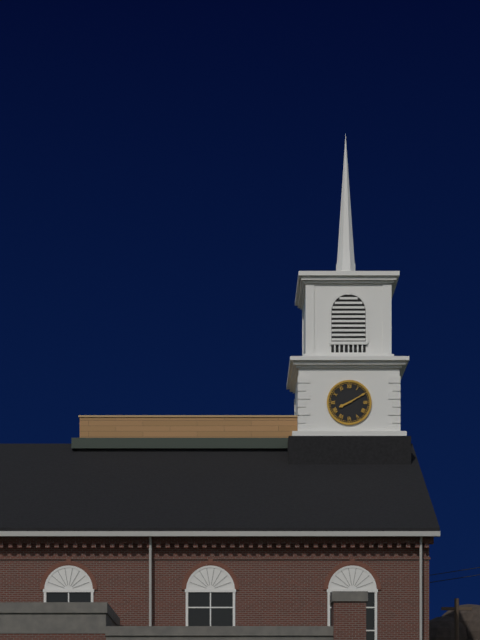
8:10
